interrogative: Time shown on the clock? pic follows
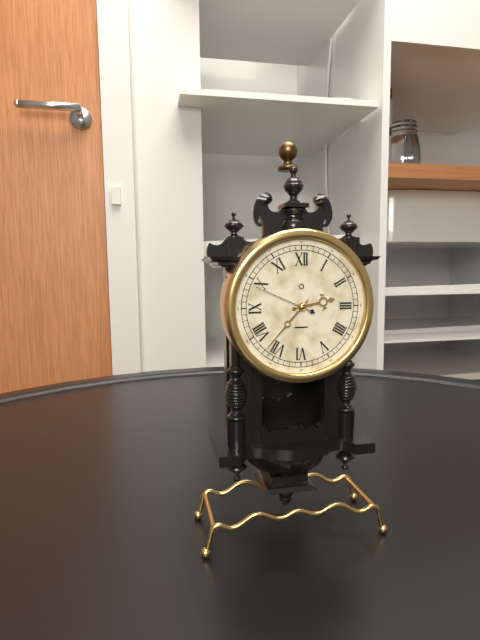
2:37:49
